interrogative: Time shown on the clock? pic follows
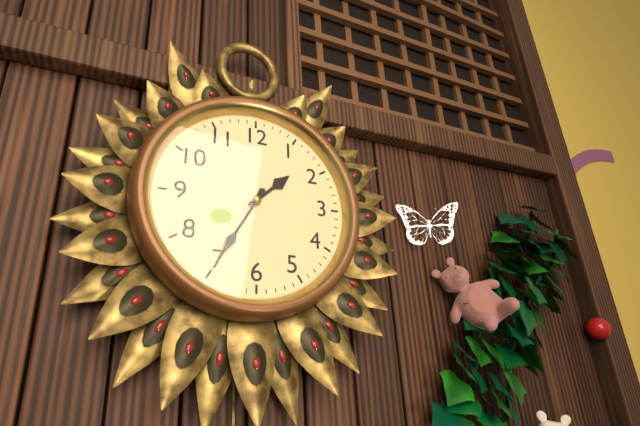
1:35
